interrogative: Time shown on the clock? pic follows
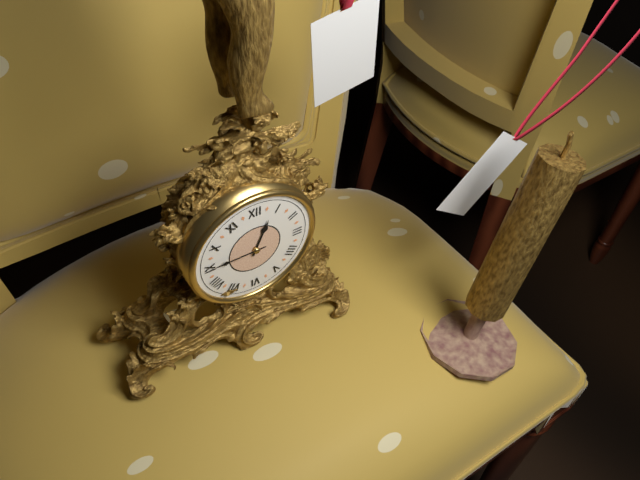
12:45
